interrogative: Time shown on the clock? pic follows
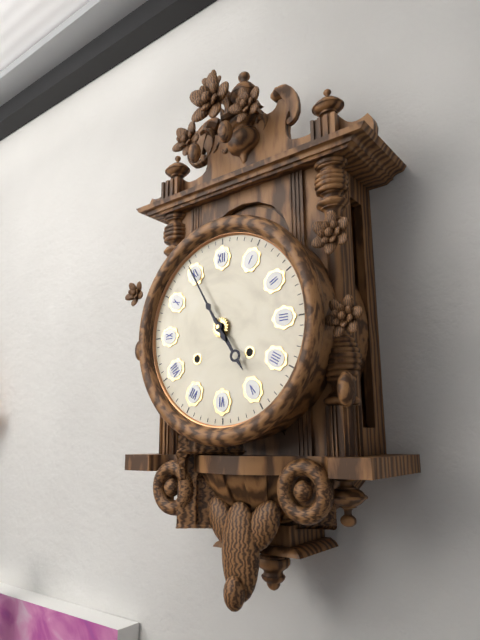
4:55
